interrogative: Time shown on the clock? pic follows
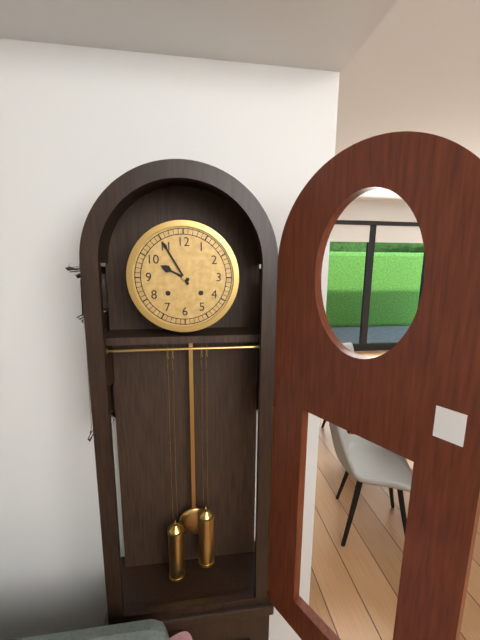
9:55
